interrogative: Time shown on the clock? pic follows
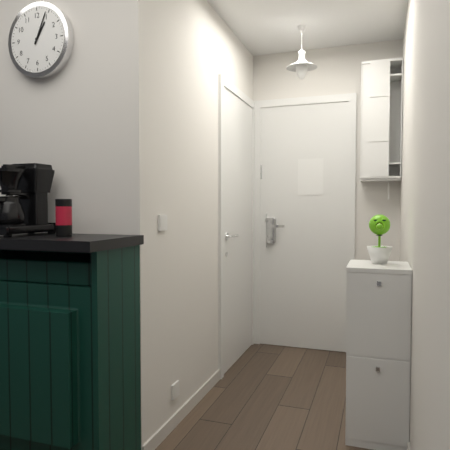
1:04
